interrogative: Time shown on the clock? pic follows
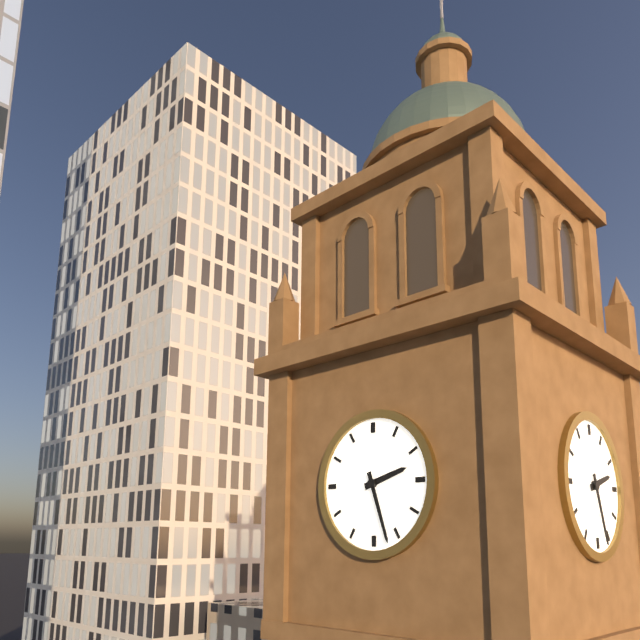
2:27
